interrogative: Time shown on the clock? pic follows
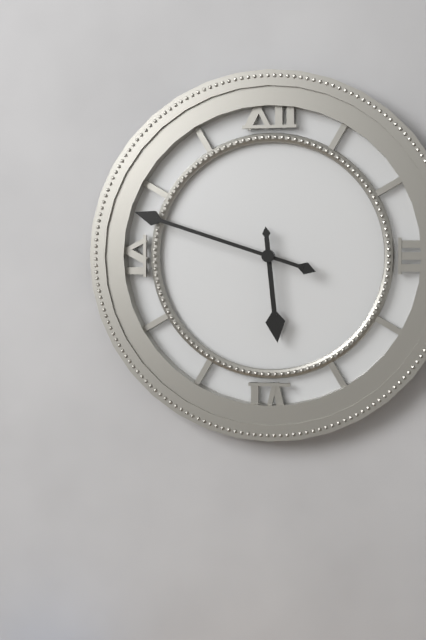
5:48
